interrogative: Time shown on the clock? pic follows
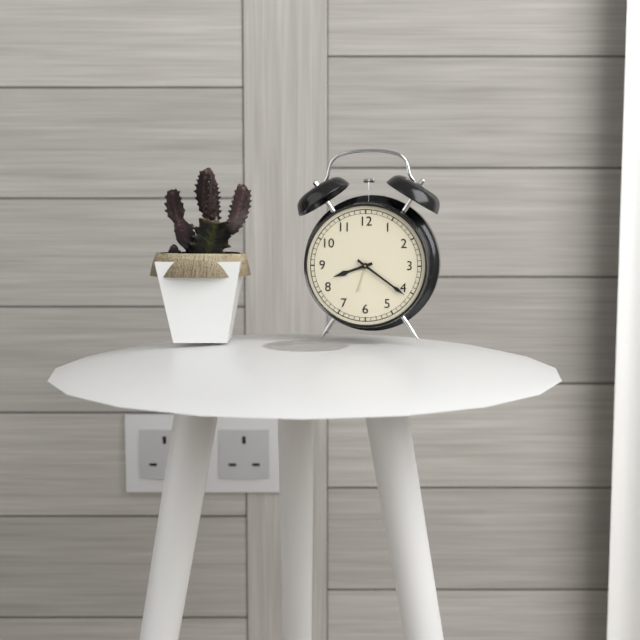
8:21
